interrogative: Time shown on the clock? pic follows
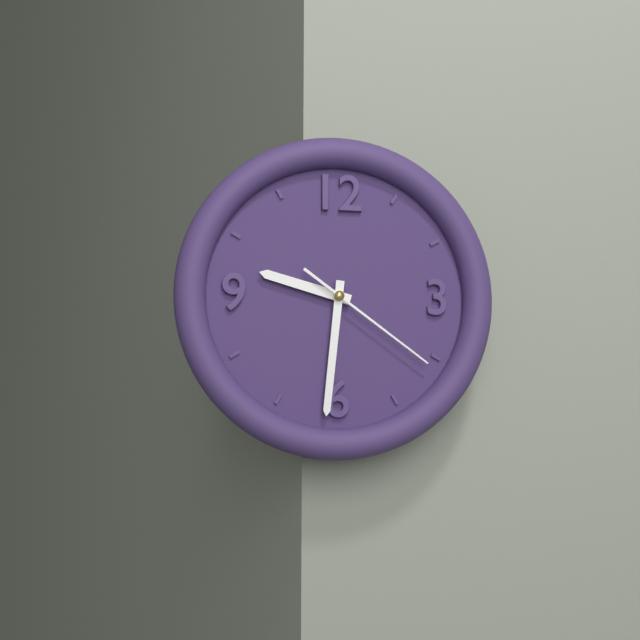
9:31:21
